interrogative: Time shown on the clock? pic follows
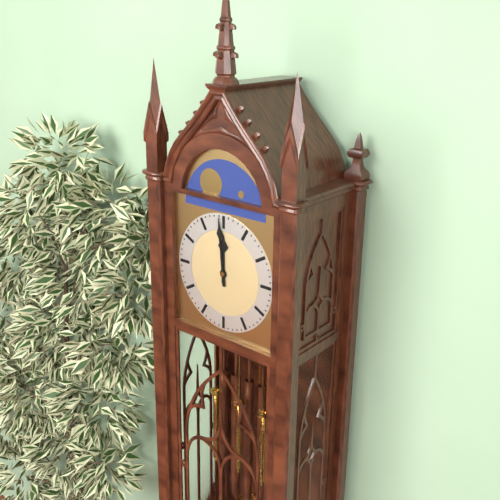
11:59
